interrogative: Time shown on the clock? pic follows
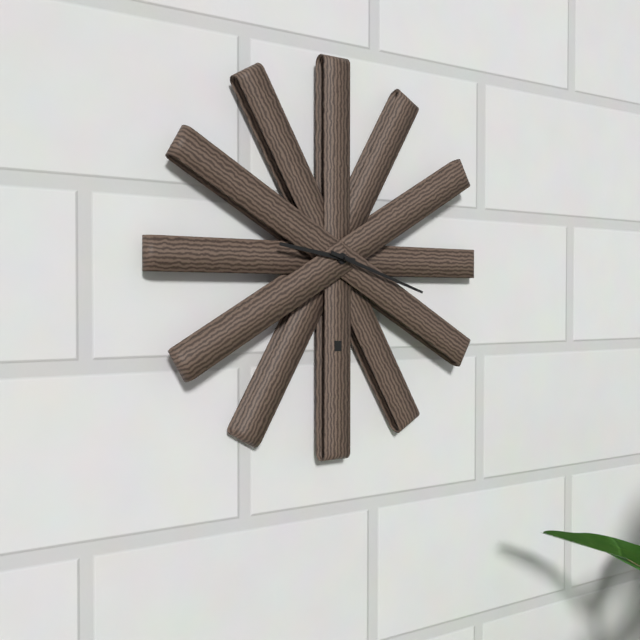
9:18
